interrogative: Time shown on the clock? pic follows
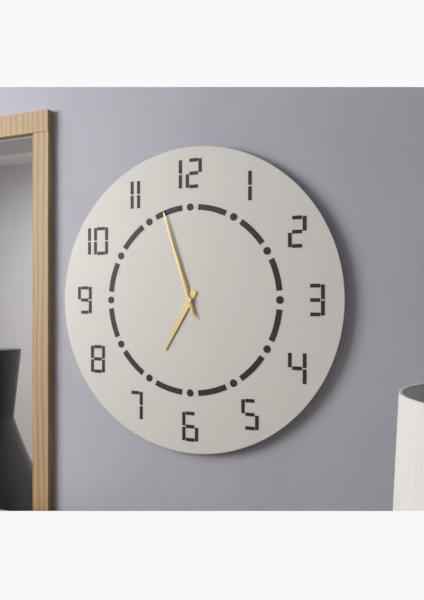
6:57:57
